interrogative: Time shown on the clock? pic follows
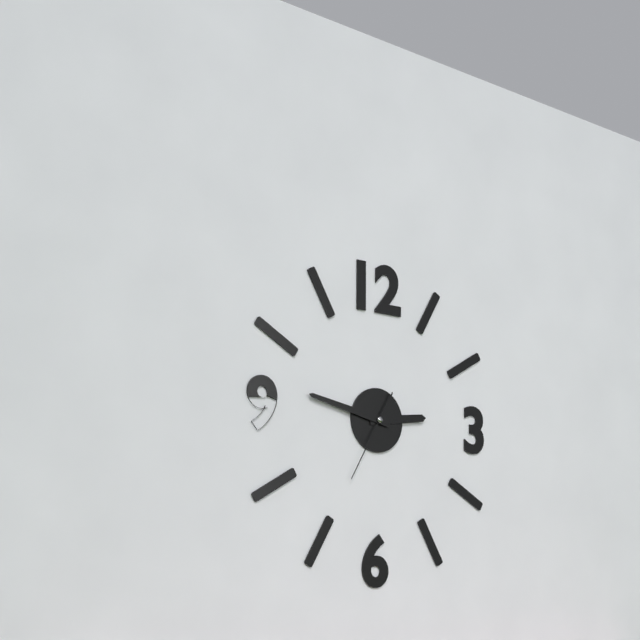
2:47:35
